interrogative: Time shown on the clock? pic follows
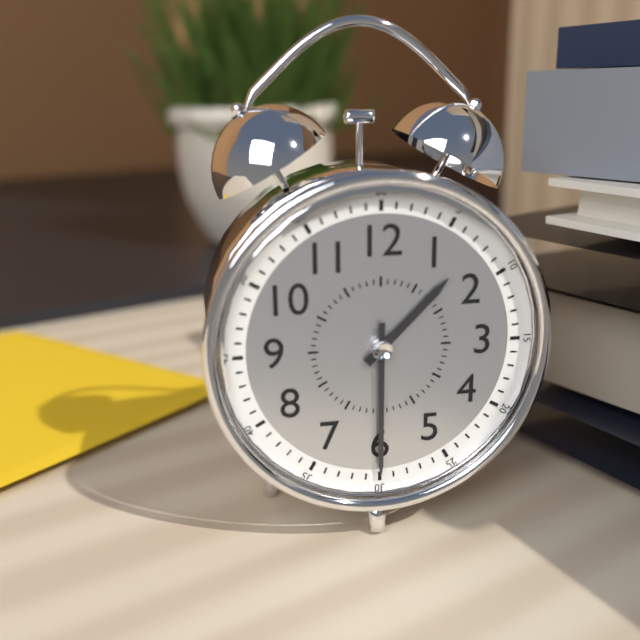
1:30
